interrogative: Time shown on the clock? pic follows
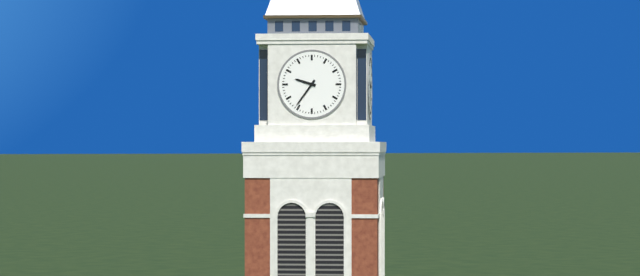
9:36
